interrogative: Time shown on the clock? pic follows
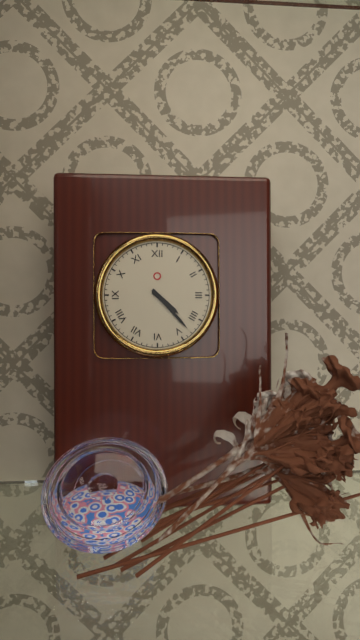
4:23
